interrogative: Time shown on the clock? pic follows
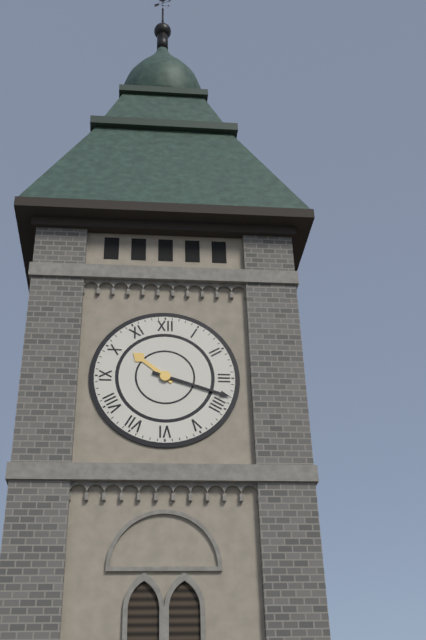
10:18
